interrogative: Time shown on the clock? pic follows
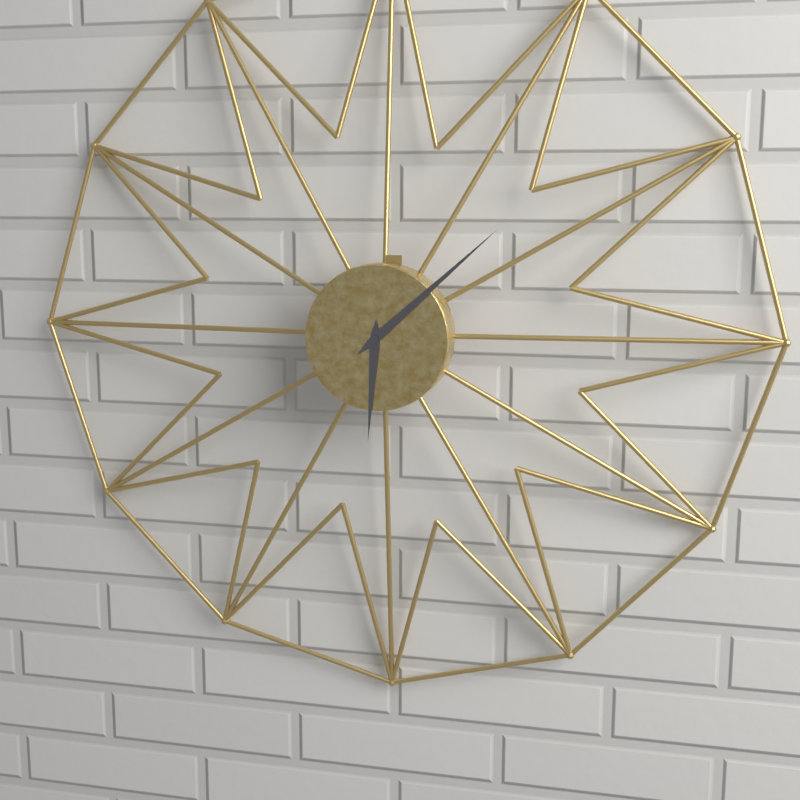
6:08
